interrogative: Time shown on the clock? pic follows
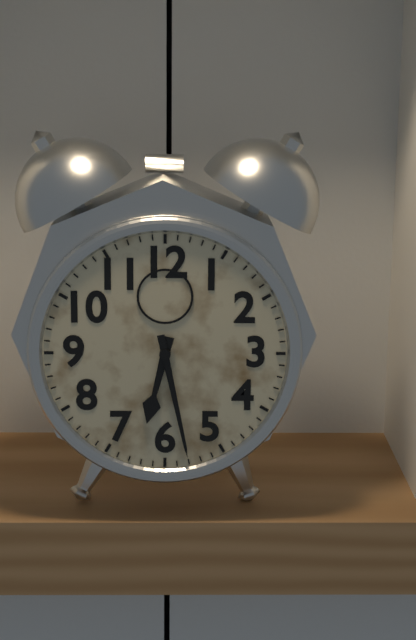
6:28
